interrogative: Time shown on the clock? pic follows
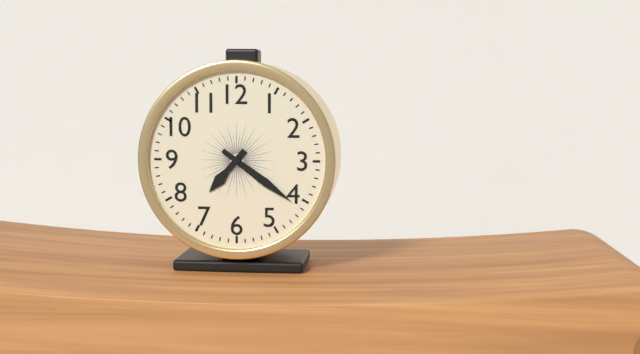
7:21
